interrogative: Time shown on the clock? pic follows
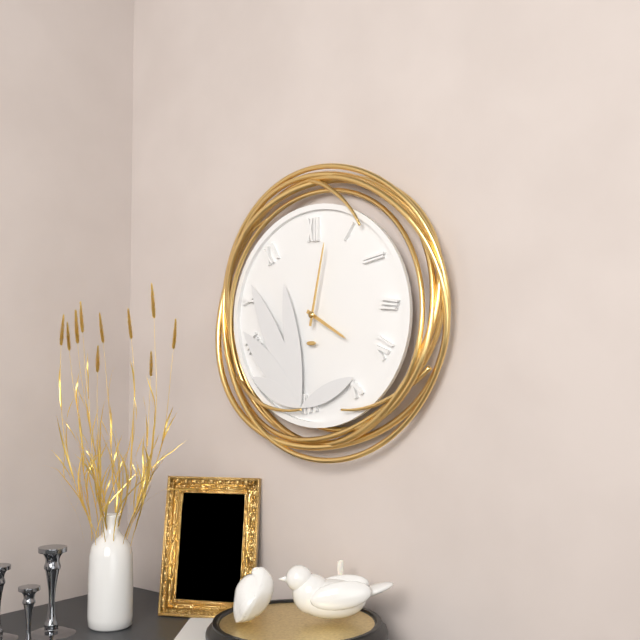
4:02
